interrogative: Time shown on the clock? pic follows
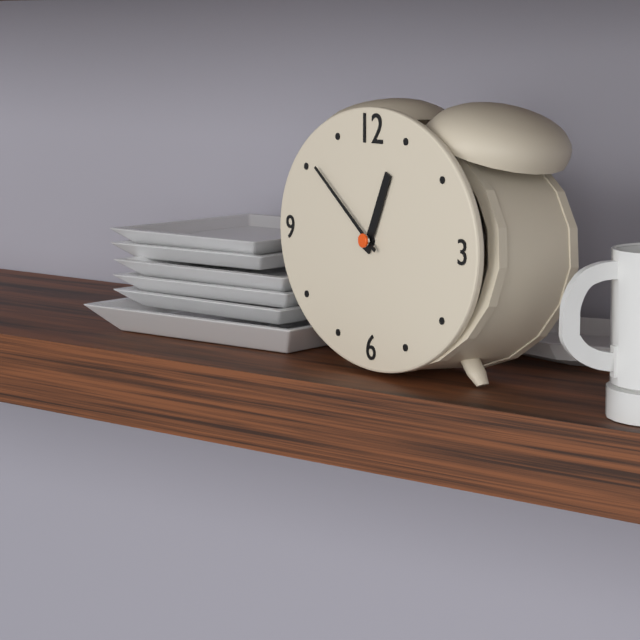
12:51
